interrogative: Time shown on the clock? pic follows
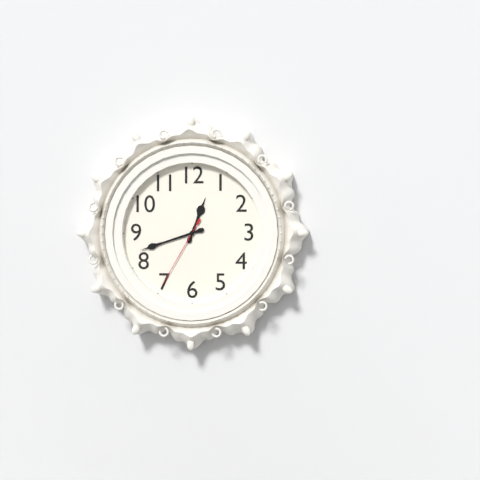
12:42:35
